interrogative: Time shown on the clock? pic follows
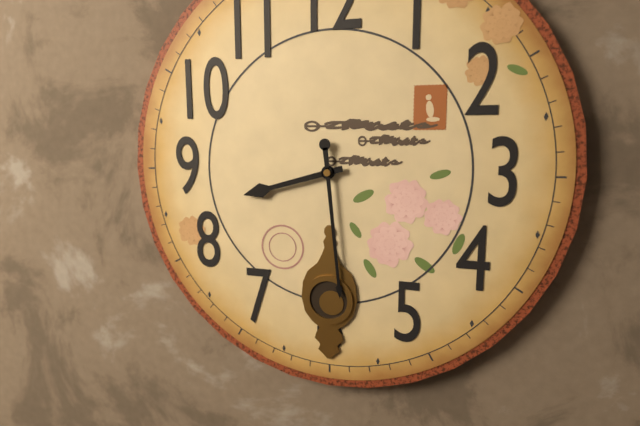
8:29
